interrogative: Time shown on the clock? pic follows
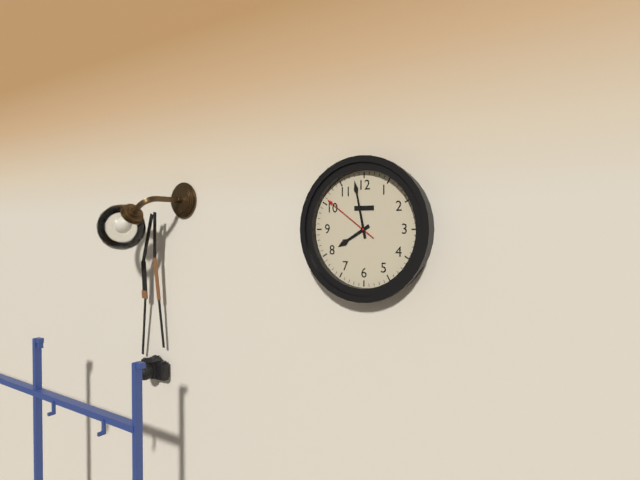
7:58:51
